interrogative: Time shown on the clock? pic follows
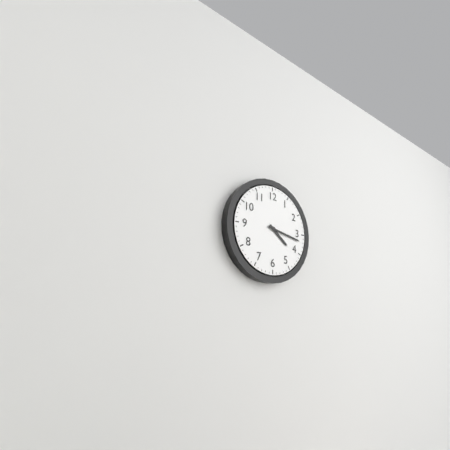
4:17
